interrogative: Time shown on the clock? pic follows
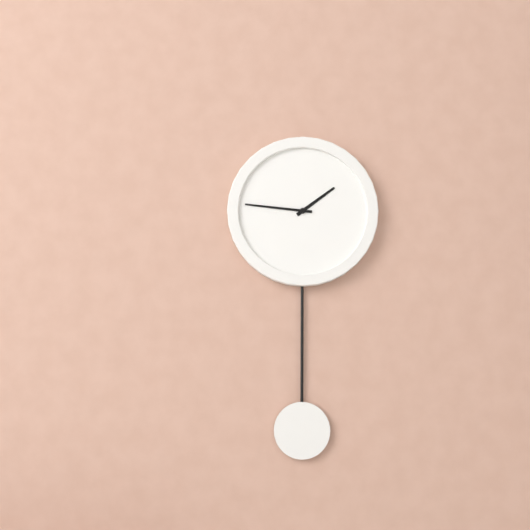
1:46
